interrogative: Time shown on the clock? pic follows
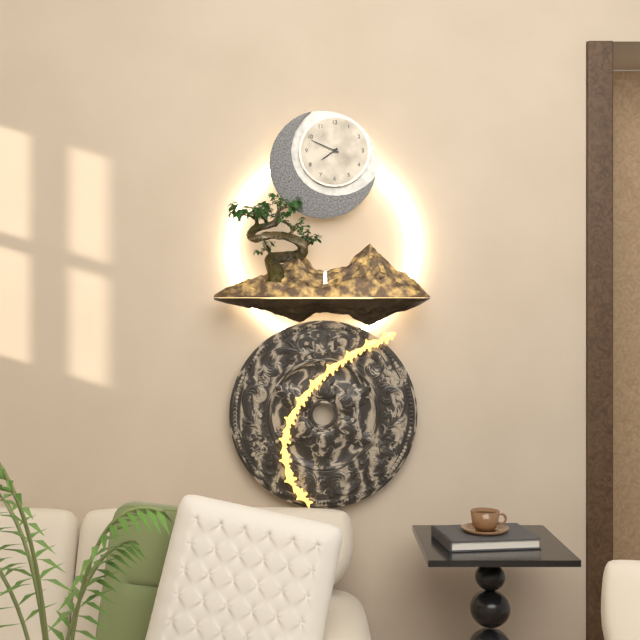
7:49
